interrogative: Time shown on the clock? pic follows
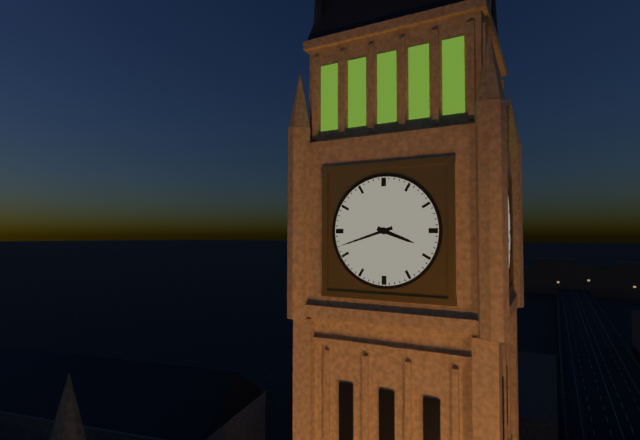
3:42
